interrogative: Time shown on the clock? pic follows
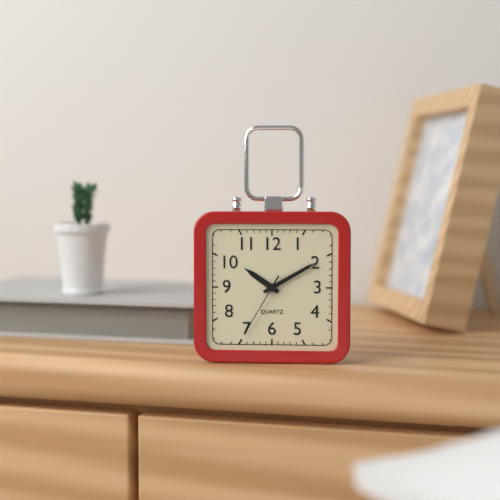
10:10:35
